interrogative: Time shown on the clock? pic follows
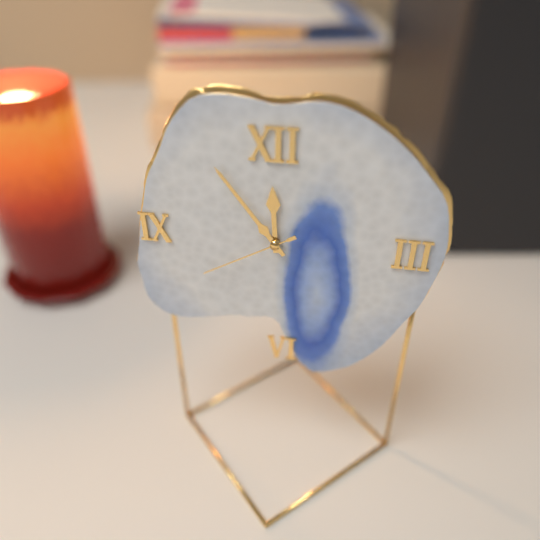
11:54:40
